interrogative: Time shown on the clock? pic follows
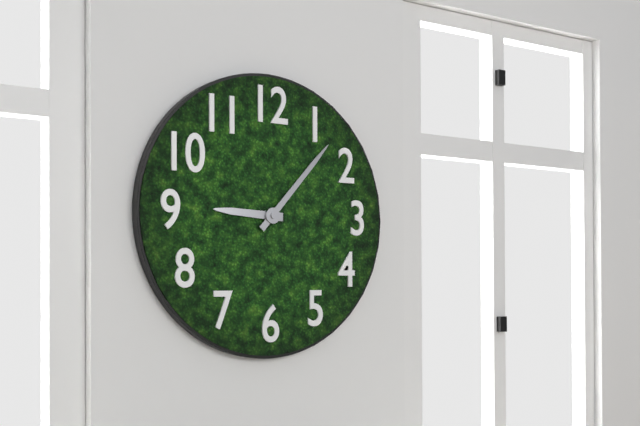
9:07
